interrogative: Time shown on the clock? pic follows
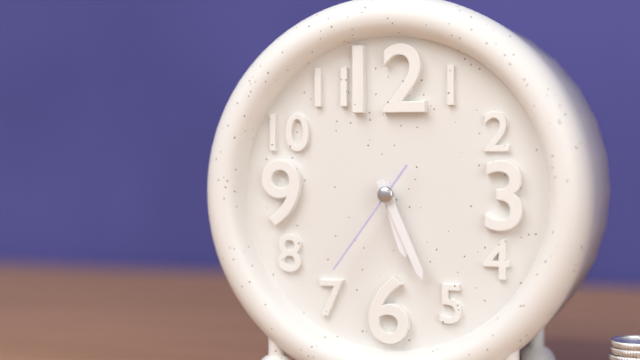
5:26:36
